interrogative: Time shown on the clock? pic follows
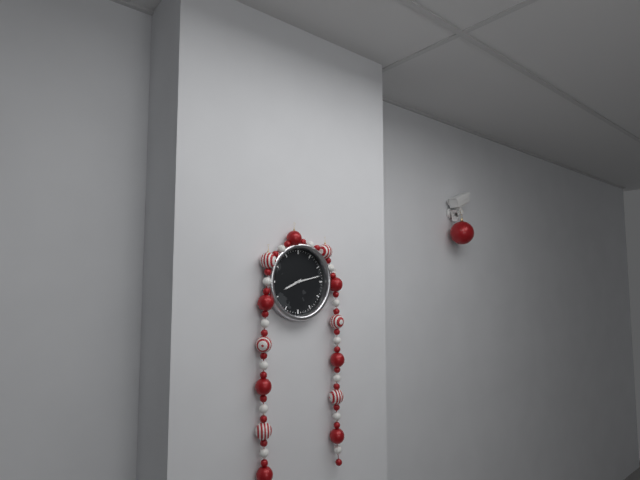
8:13
